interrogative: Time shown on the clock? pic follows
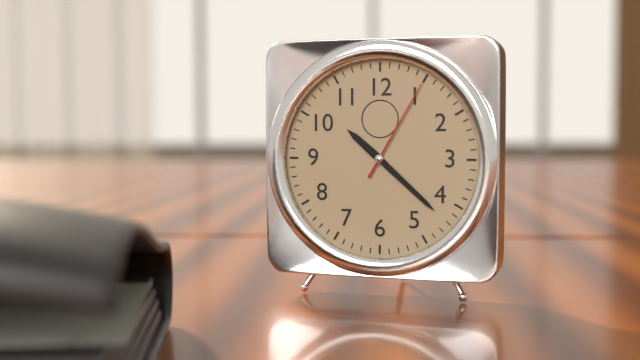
10:22:05
